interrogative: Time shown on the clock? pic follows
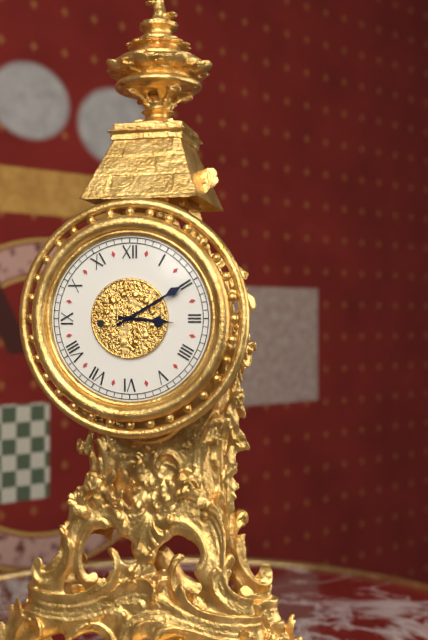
3:10
